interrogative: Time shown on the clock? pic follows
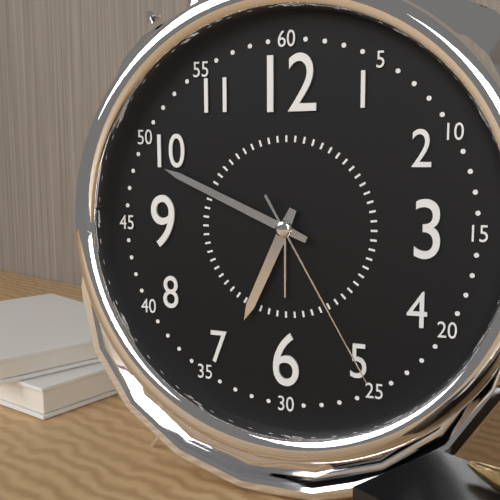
6:49:25
